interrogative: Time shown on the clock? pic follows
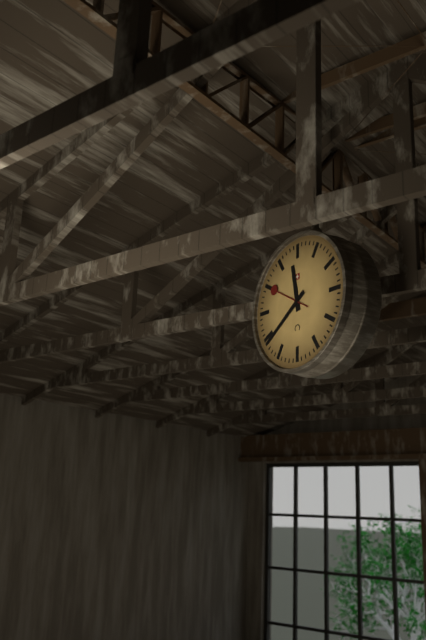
11:39
